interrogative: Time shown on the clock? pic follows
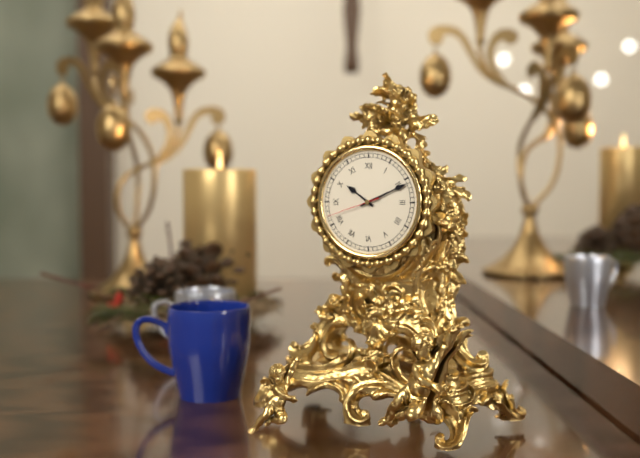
10:11:42
